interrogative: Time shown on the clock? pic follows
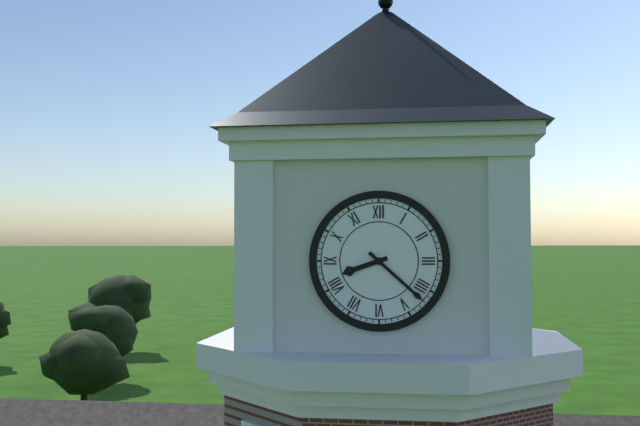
8:22
